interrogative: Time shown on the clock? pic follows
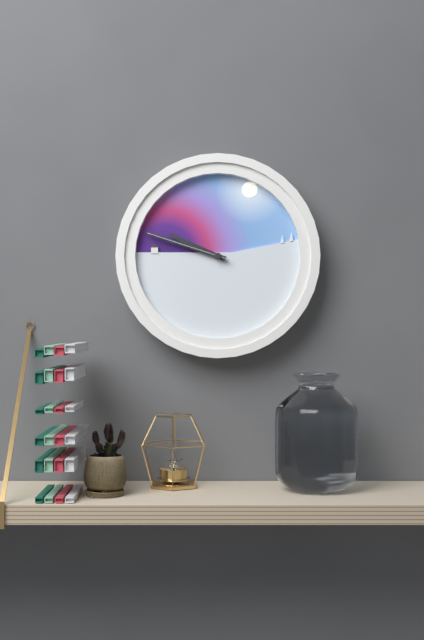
9:48:48
